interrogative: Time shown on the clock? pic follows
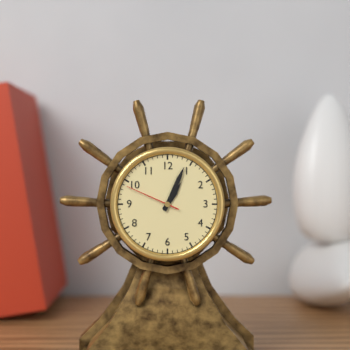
1:04:49
